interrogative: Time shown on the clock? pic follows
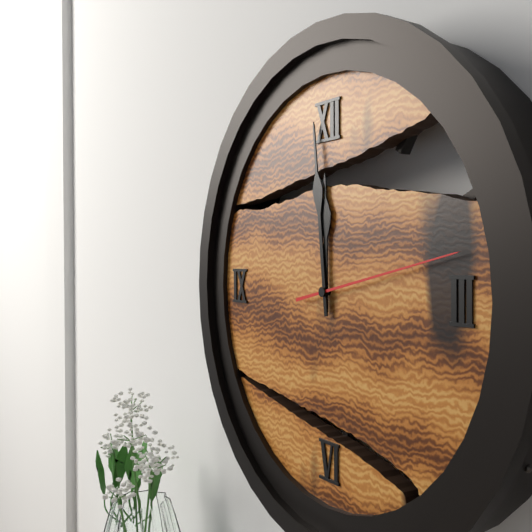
11:59:13
